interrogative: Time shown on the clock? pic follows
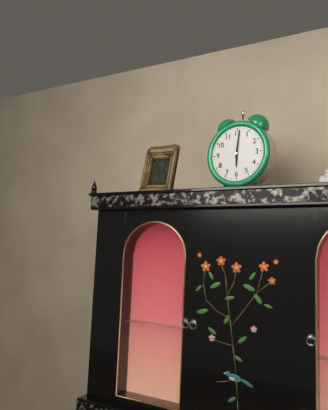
6:01
